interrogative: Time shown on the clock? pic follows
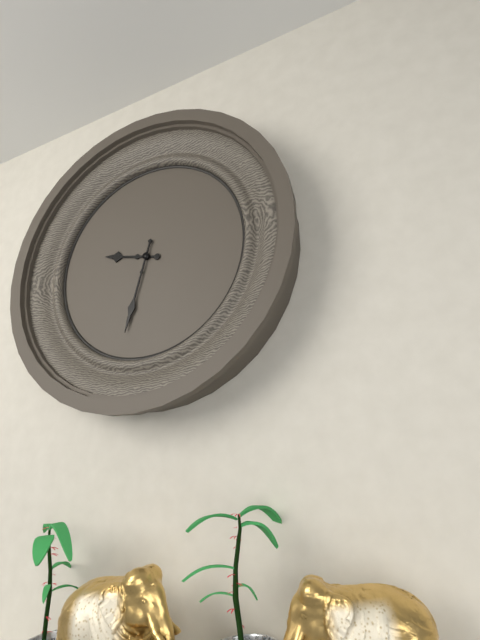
9:33
